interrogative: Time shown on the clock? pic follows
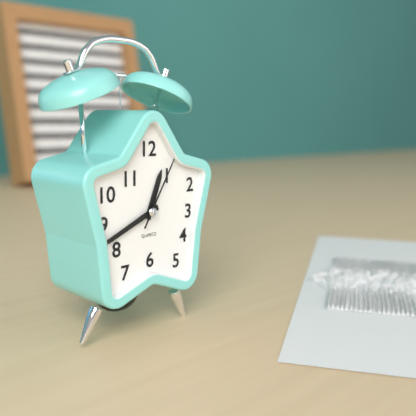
12:41:05
